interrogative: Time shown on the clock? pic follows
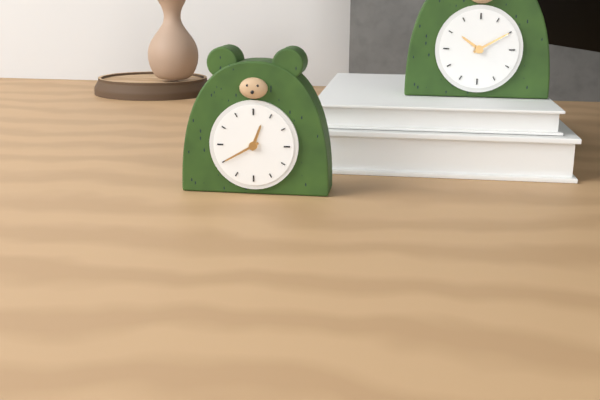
12:40
